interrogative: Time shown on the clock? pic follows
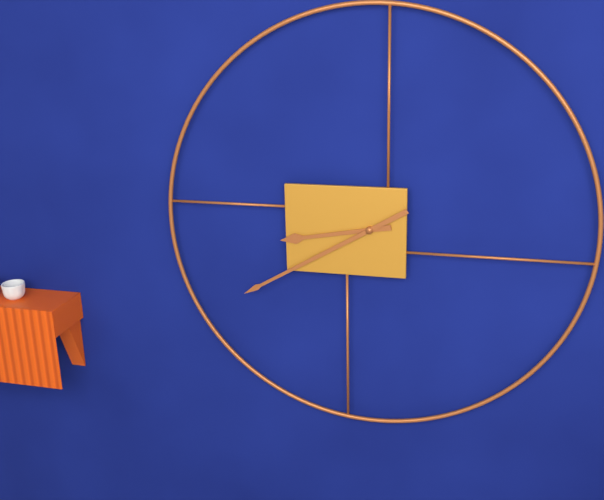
8:40
